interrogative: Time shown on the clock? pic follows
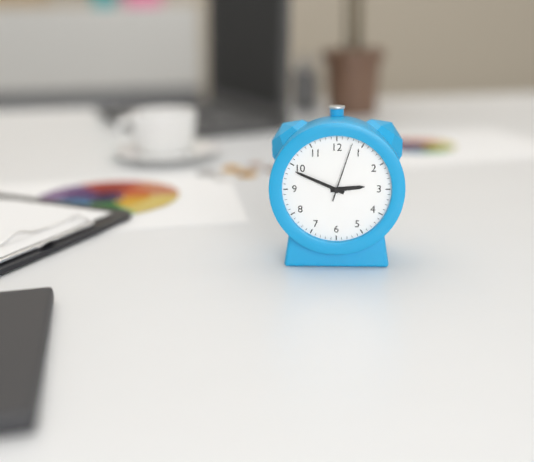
2:49:03
